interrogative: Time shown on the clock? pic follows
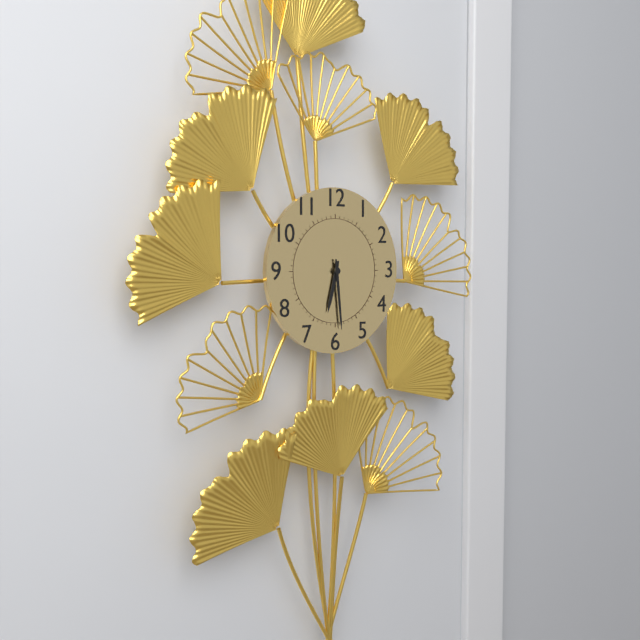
6:29
